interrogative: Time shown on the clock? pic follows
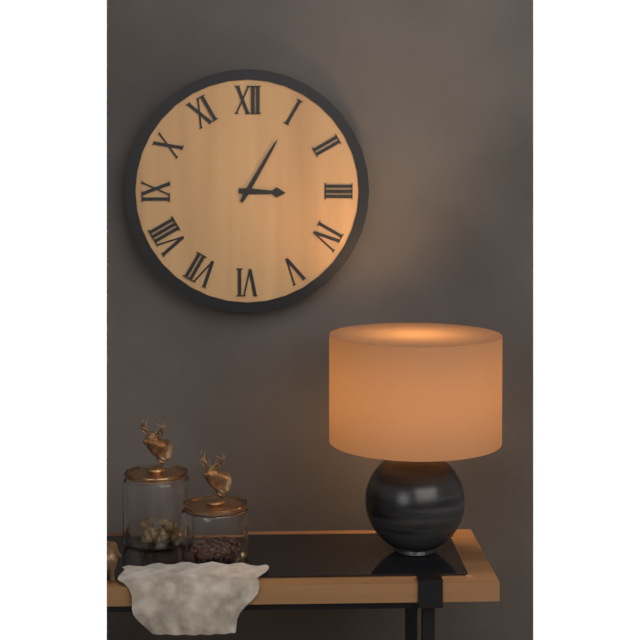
3:05
